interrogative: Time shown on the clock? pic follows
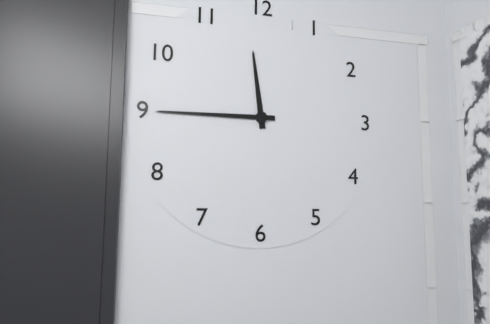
11:45
